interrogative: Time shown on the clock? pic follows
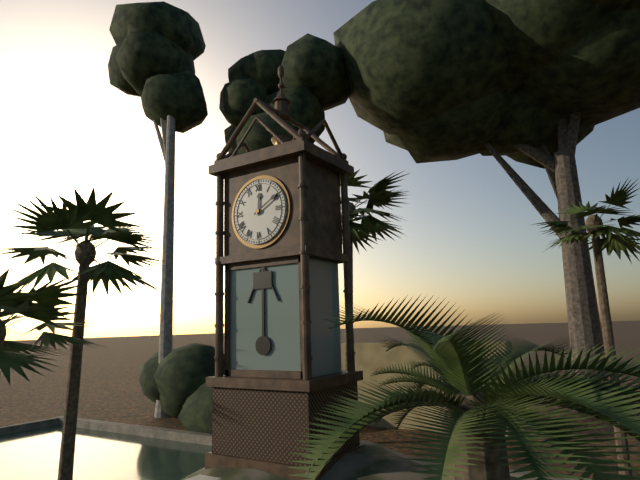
12:10
